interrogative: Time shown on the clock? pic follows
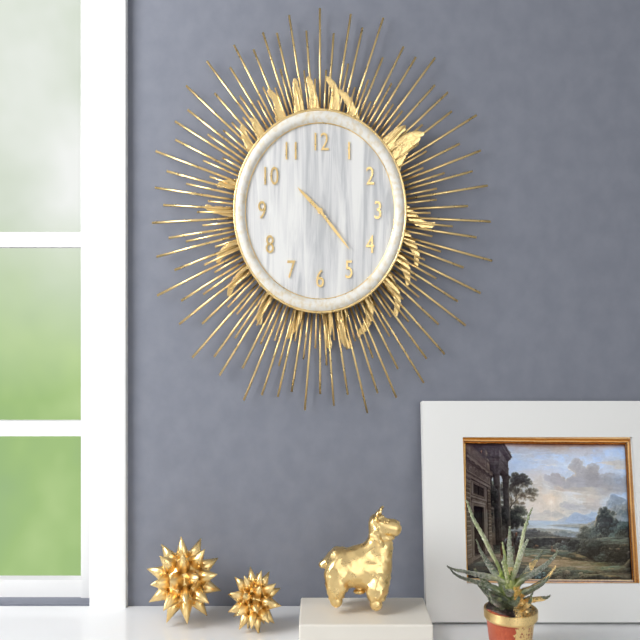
10:23
